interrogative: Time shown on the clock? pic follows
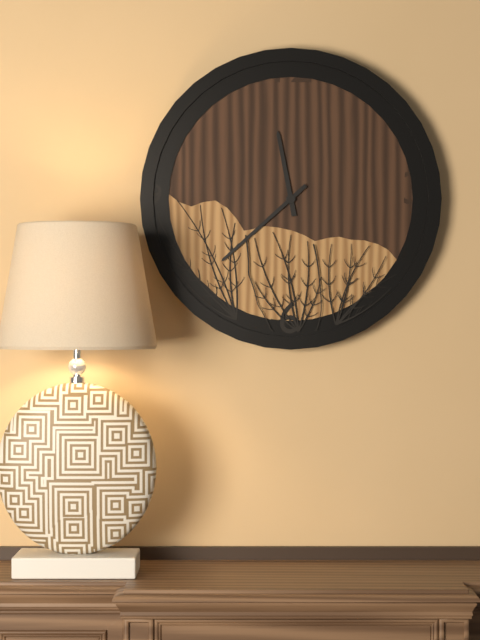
11:38
